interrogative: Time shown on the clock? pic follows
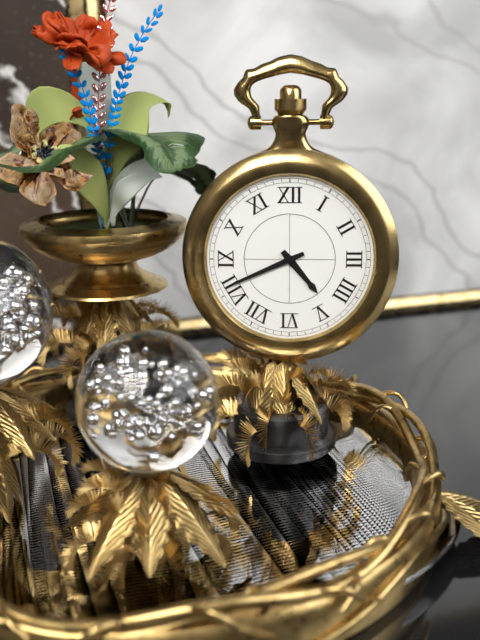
4:41
